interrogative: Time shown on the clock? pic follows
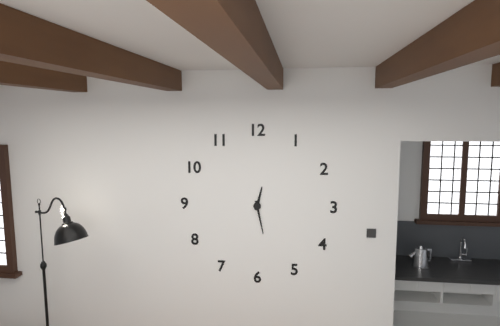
12:28
